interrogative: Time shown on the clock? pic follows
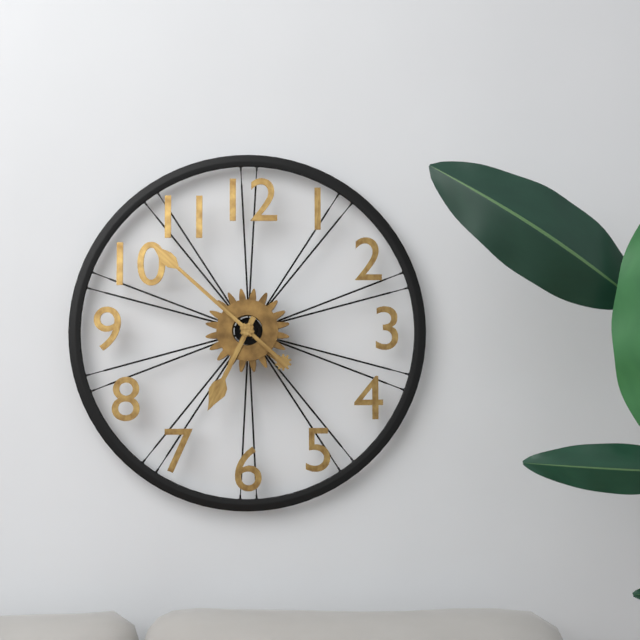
6:52
